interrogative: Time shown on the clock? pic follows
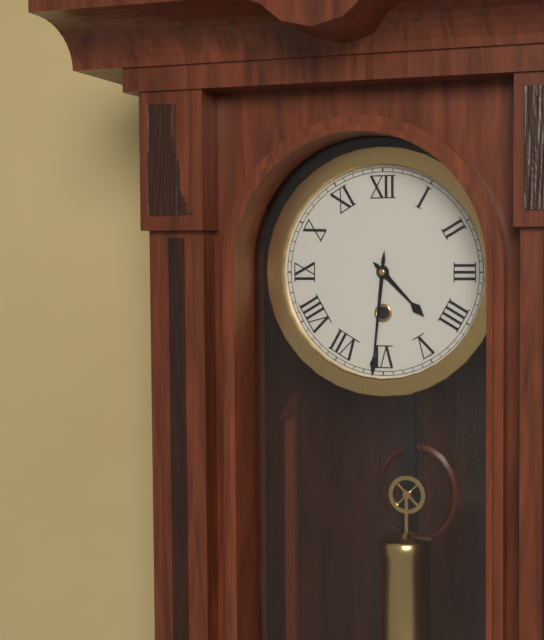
4:31
